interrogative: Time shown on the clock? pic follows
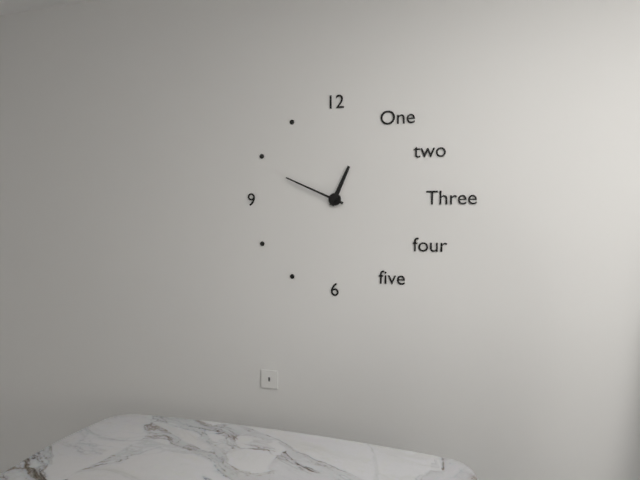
12:49
